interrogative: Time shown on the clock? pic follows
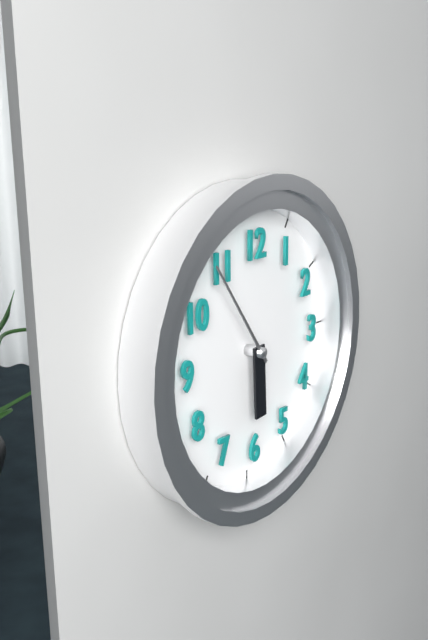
5:54
